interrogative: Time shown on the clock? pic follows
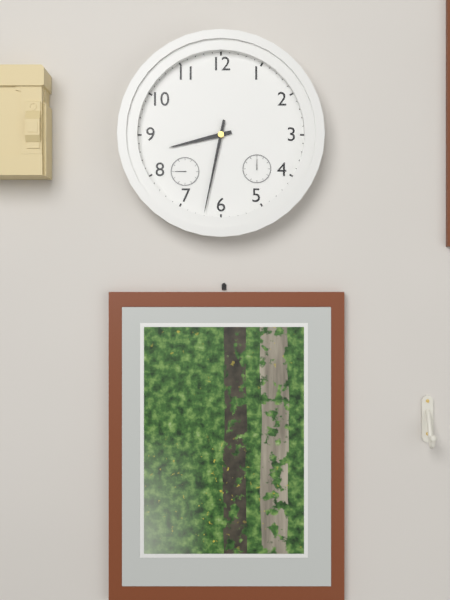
8:32
